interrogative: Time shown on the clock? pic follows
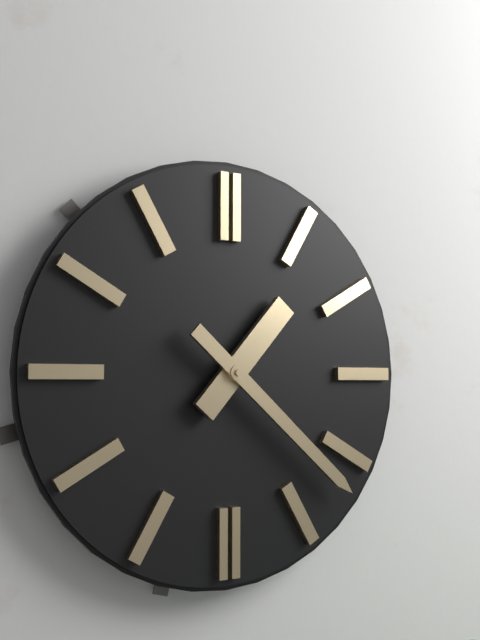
1:22
